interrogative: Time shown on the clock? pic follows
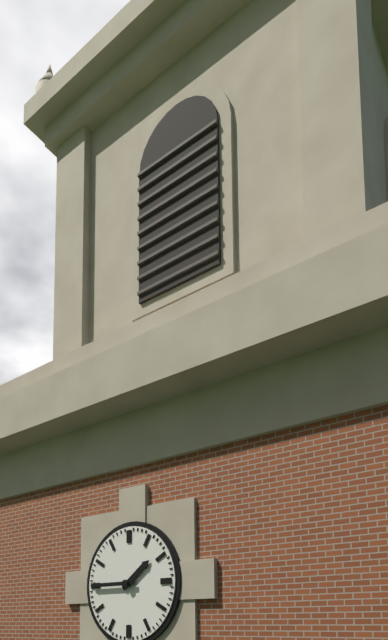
1:45
